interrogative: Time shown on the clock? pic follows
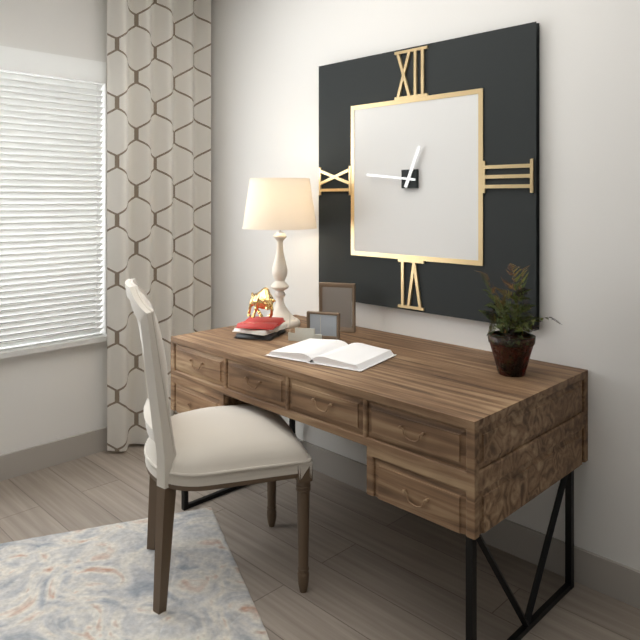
12:46
